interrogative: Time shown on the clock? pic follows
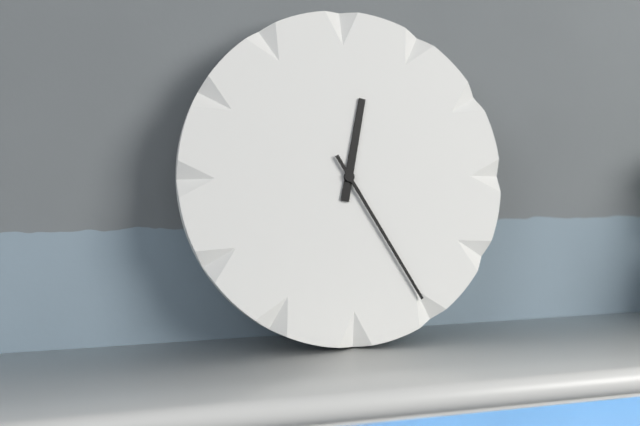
12:25
